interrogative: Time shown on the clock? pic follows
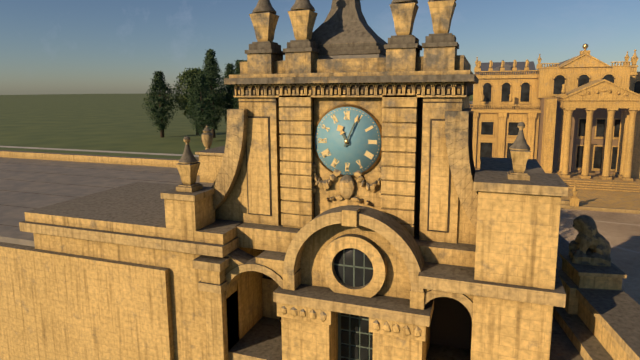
11:04
